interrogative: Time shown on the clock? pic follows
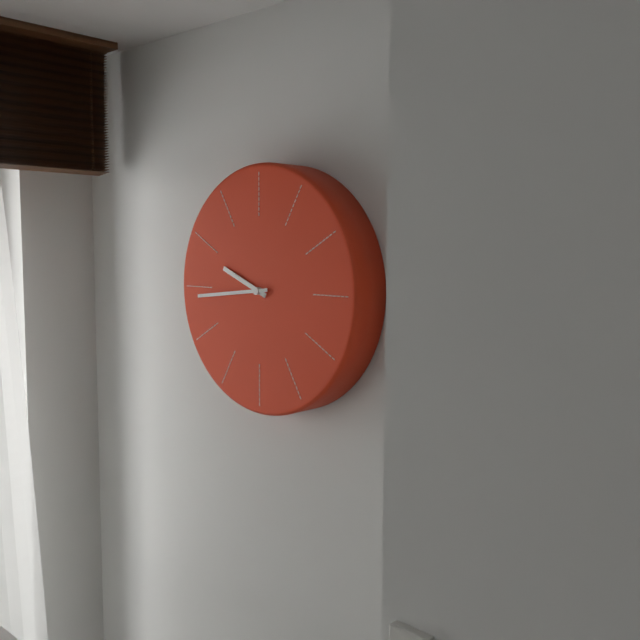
9:44
